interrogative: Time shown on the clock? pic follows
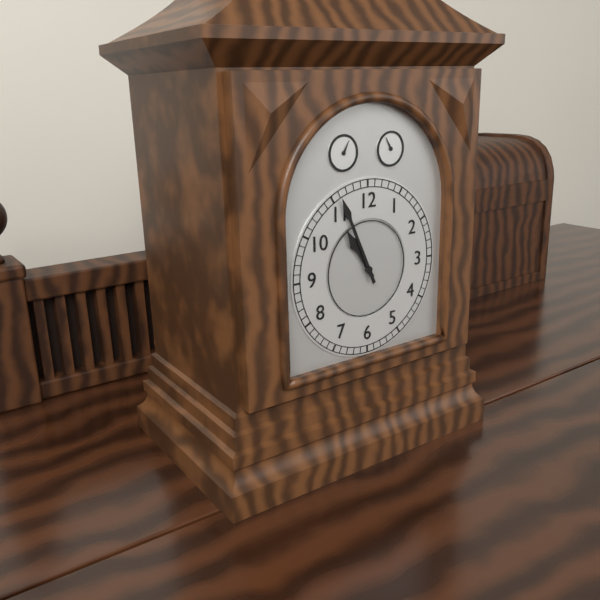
10:56
